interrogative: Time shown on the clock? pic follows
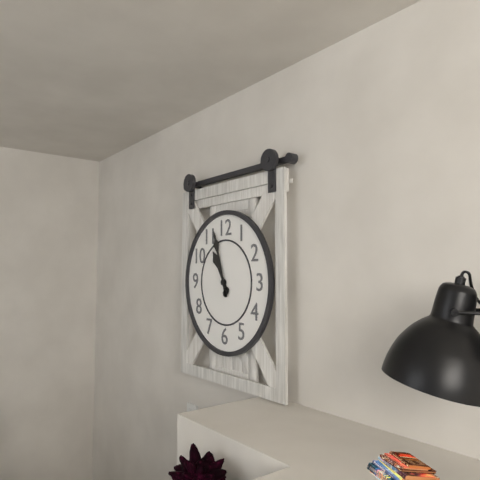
10:57
